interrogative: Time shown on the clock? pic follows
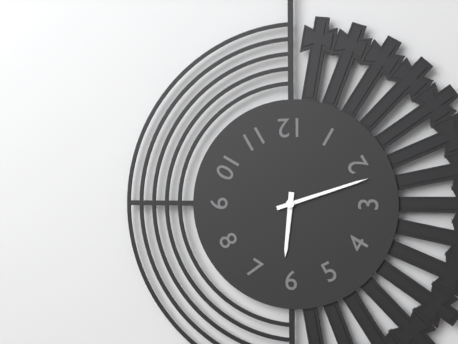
6:12
